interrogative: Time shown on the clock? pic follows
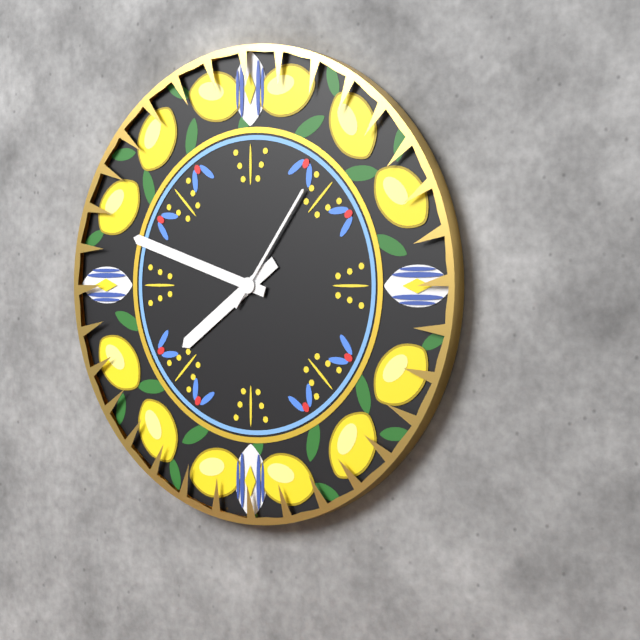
7:48:06
